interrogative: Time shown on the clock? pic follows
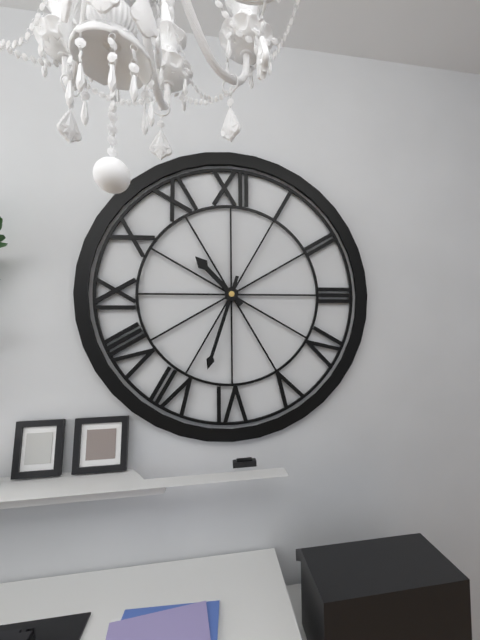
10:33
